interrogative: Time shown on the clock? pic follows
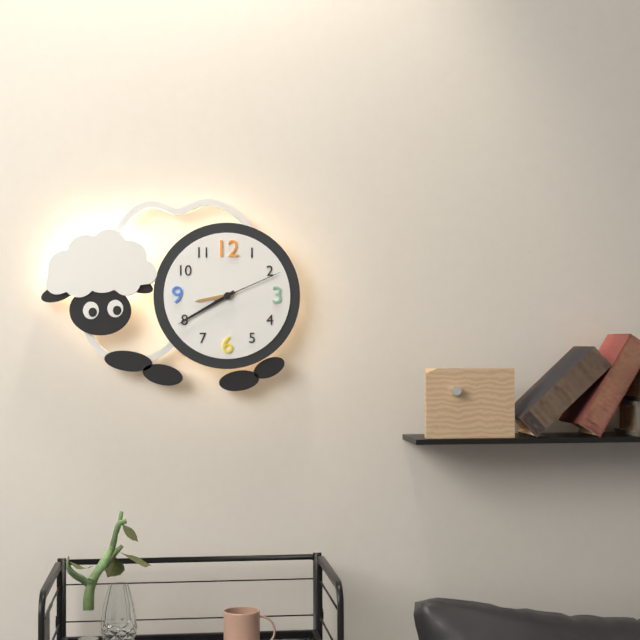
8:40:11
